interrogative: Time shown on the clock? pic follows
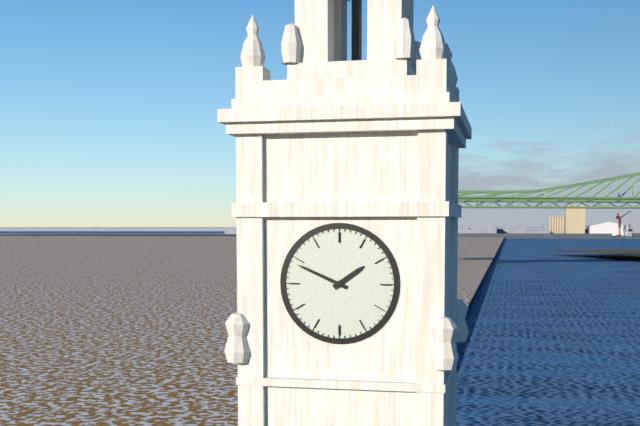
1:49
